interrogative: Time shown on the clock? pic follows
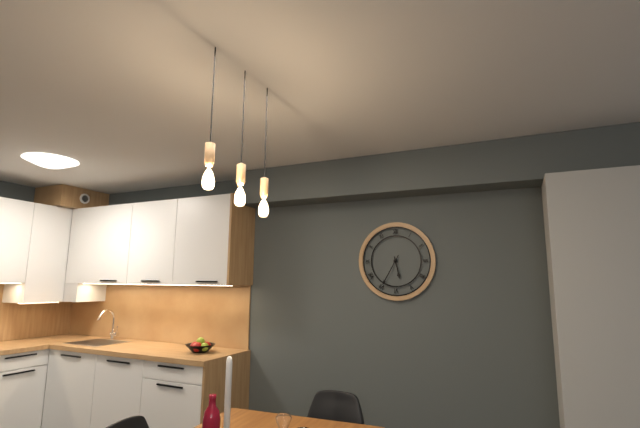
5:35
